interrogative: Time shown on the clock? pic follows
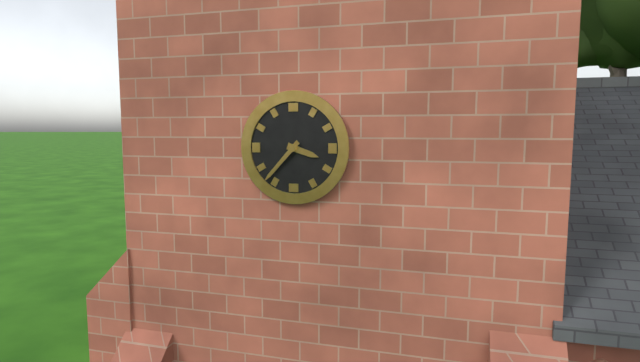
3:37
